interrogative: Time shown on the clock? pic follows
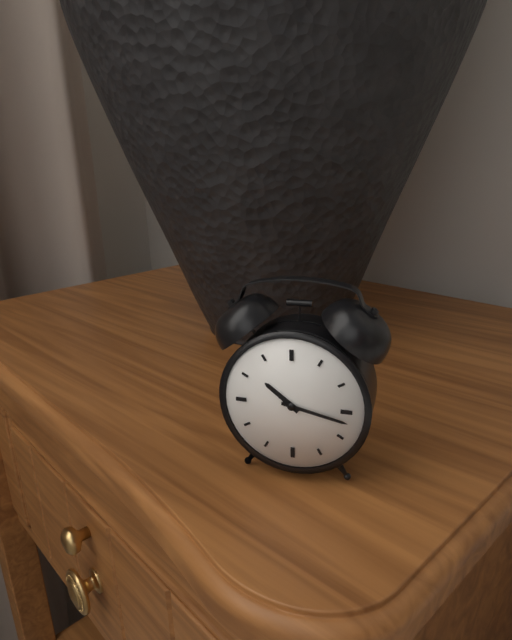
10:17
